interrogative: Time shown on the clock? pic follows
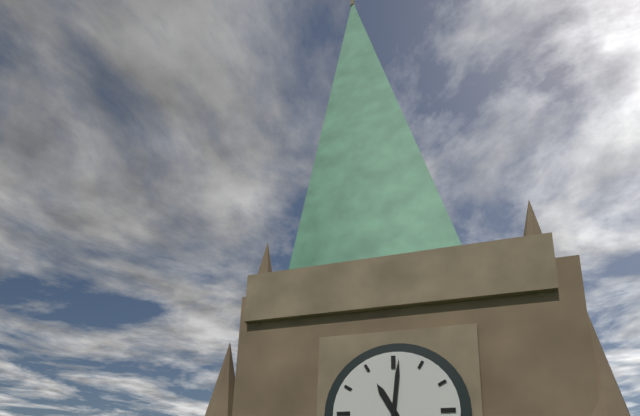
11:01
